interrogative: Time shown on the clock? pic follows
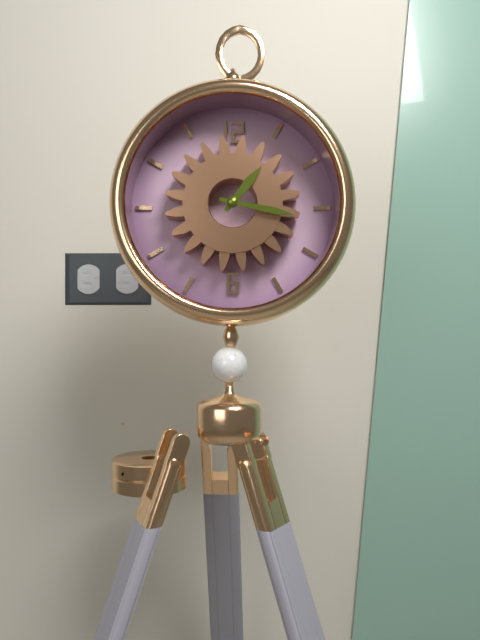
1:17
